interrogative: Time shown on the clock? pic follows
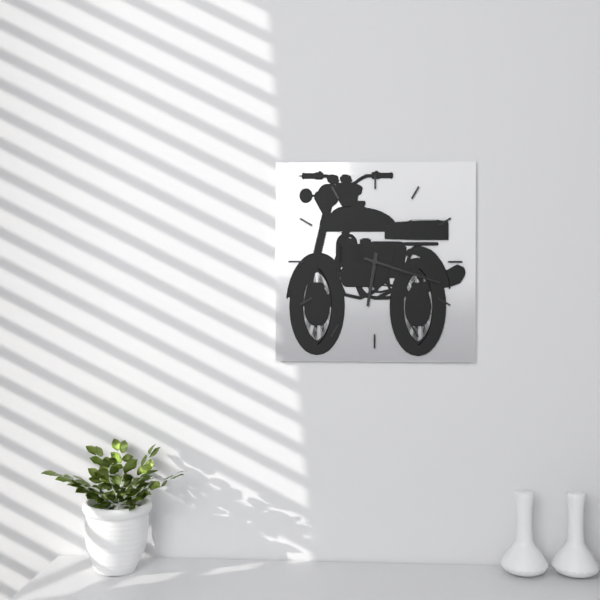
6:18
